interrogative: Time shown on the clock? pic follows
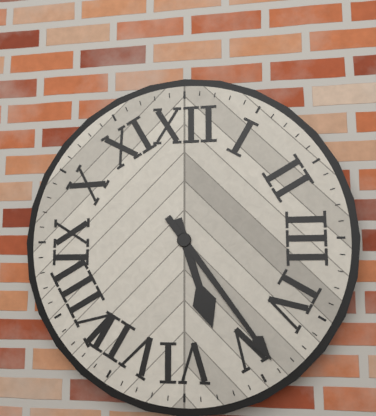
5:24
